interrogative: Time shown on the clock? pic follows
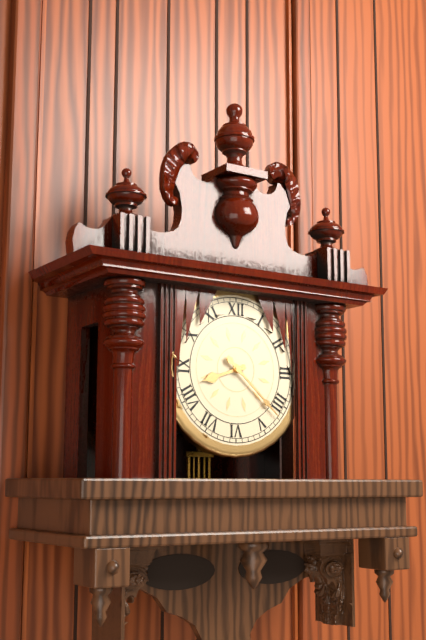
8:22
